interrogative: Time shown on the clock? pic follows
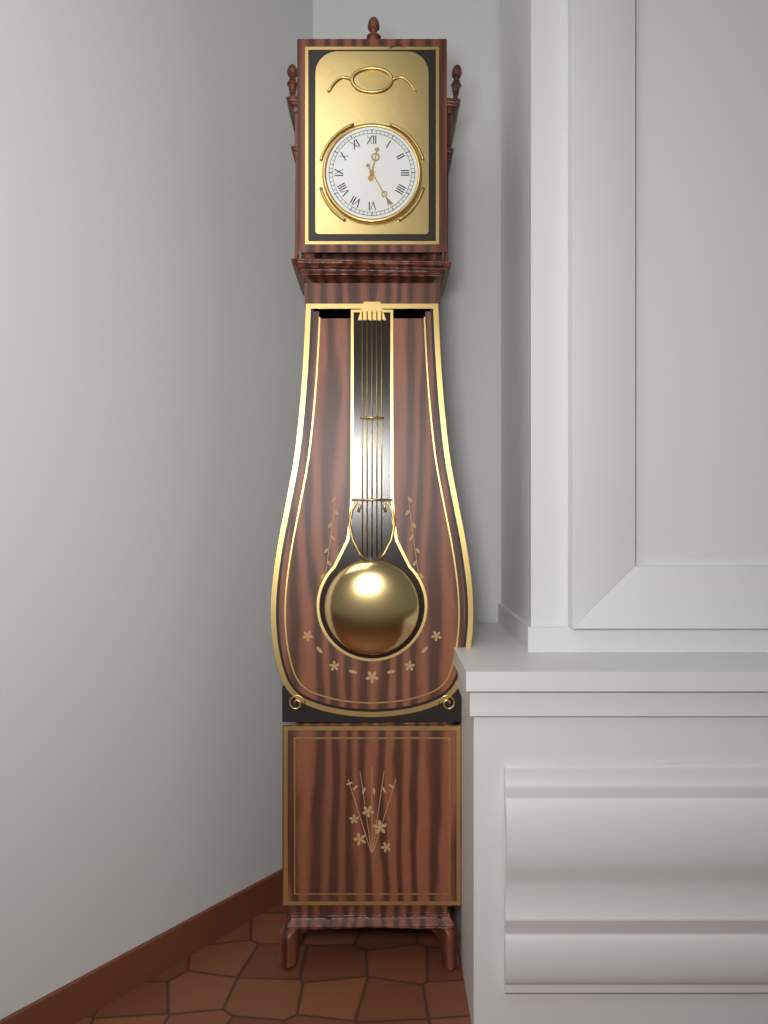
12:25
